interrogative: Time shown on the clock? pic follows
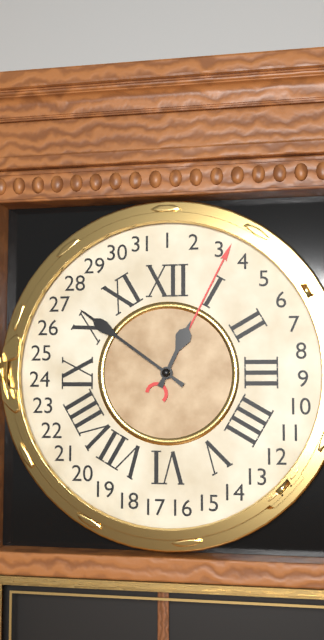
12:51
